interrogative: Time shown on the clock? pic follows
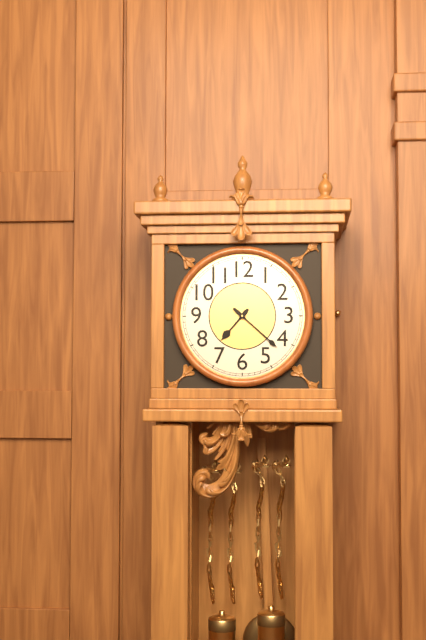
7:22
